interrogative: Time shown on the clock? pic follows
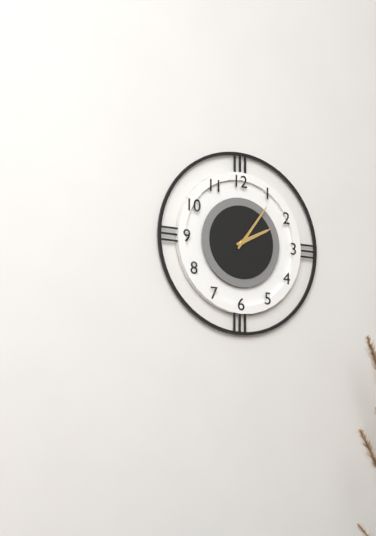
2:06
